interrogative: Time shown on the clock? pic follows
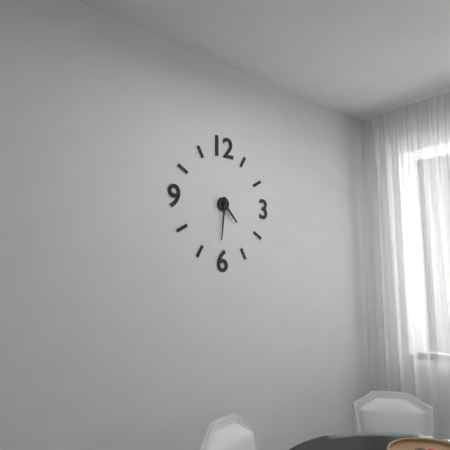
4:31
